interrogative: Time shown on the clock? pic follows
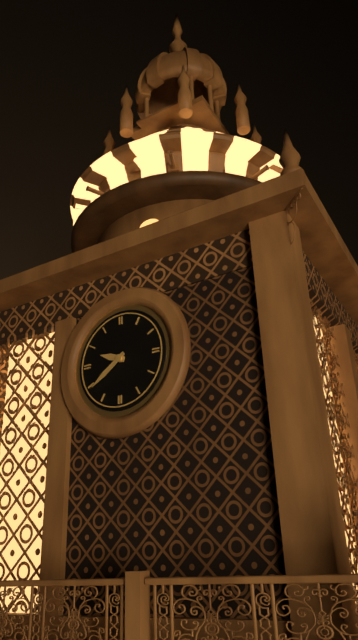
9:39
